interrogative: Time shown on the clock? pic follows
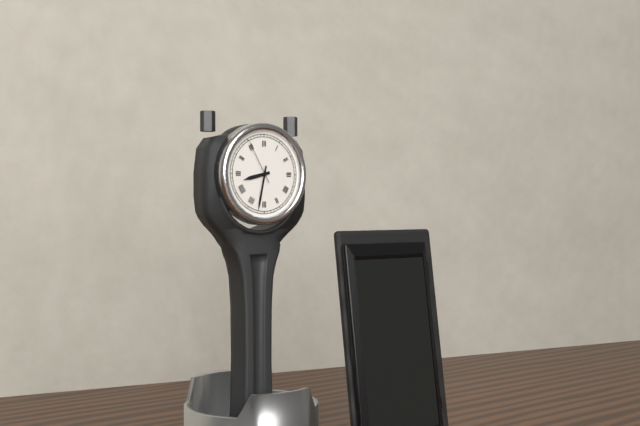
8:32
